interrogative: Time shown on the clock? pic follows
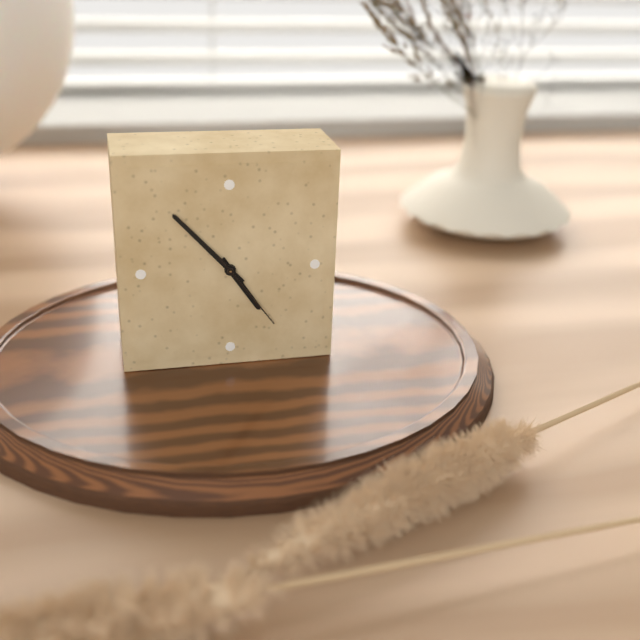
4:53:24
